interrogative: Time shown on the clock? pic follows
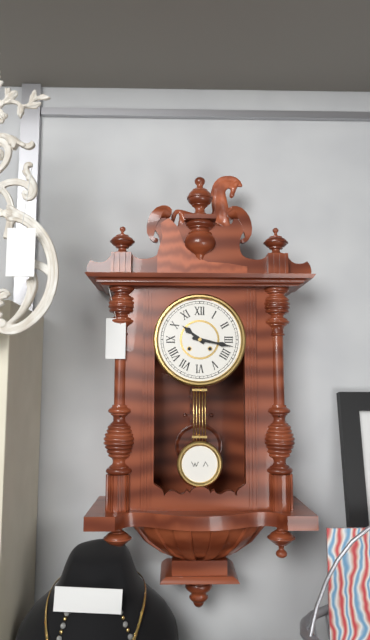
10:17
